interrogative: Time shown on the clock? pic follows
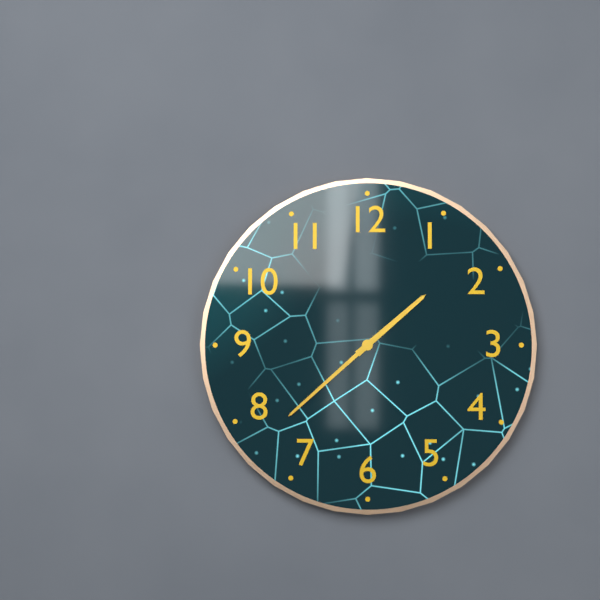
1:38
